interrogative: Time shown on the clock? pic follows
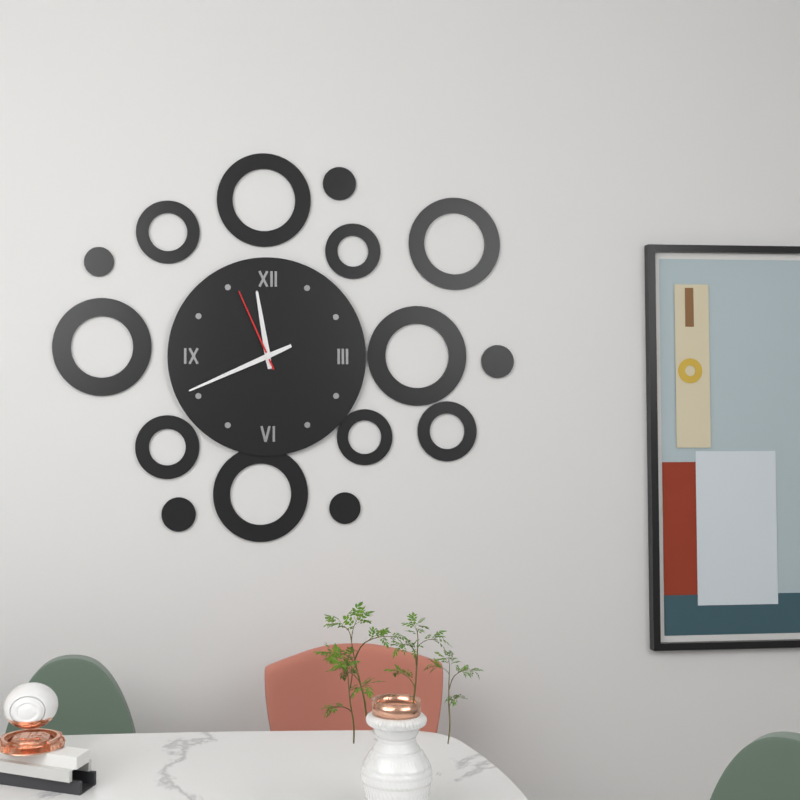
11:41:56
